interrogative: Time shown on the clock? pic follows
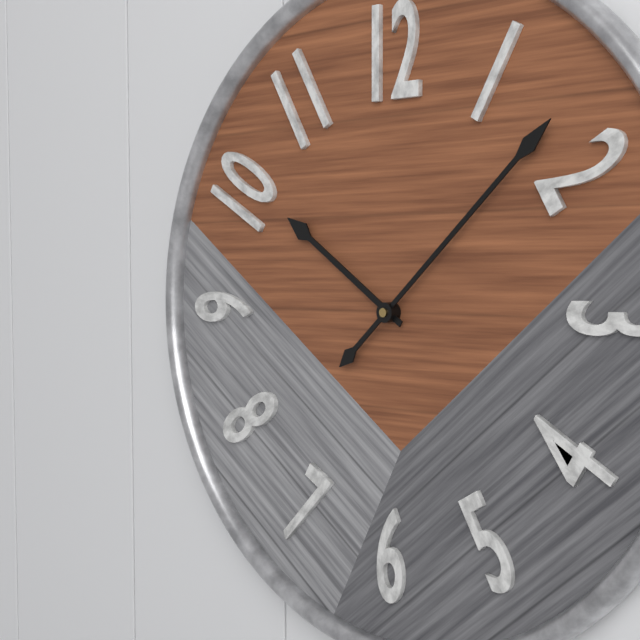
10:08
